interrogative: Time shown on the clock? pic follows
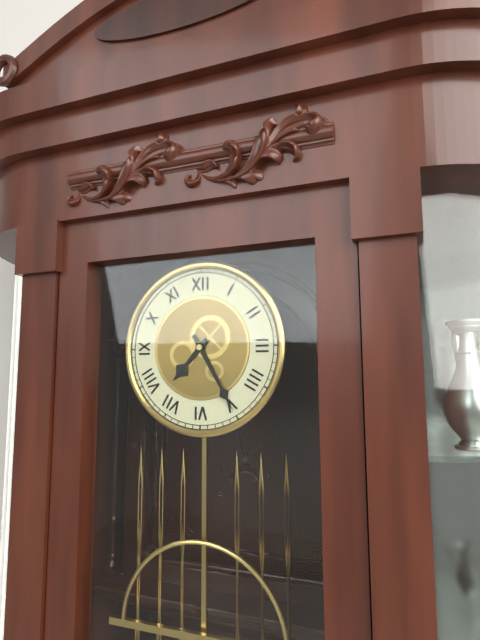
7:25
